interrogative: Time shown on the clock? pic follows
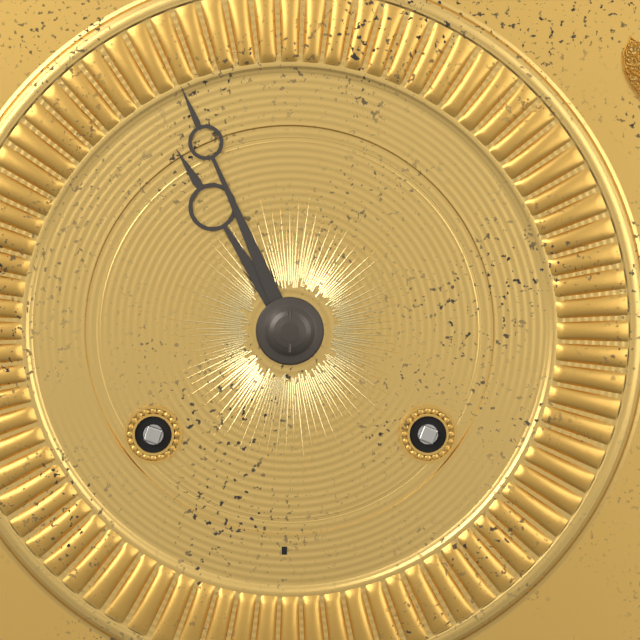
10:56
